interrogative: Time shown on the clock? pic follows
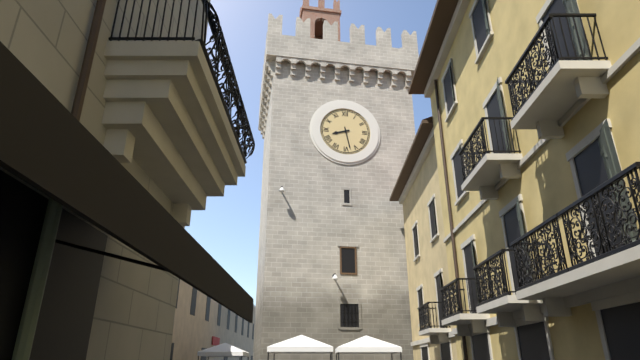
8:28
